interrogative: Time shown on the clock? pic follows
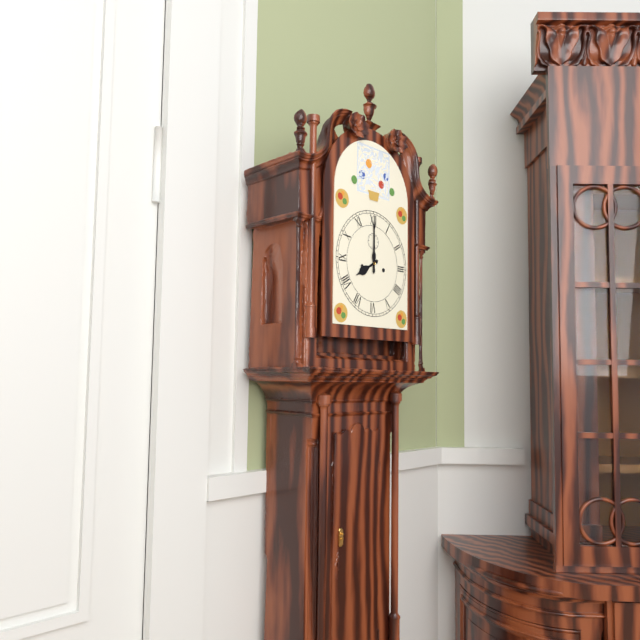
8:00
